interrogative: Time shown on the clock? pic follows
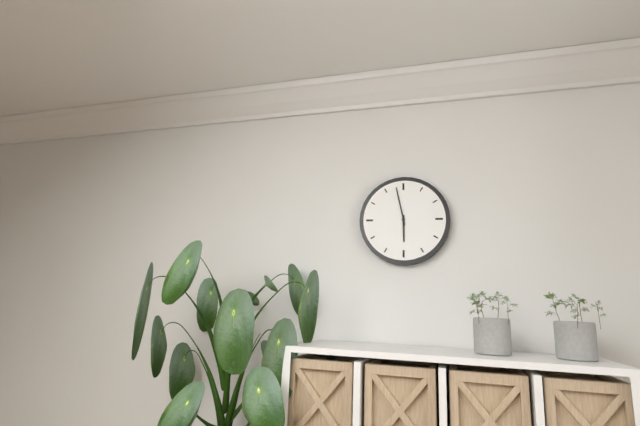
5:58
